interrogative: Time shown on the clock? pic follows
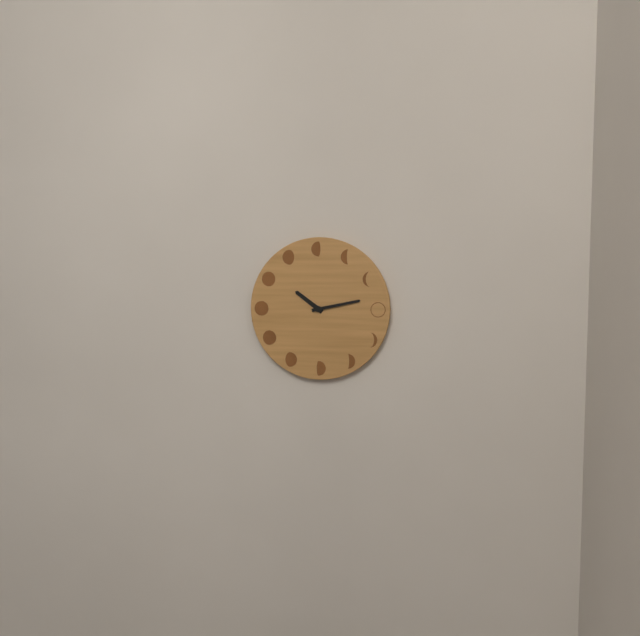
10:13
